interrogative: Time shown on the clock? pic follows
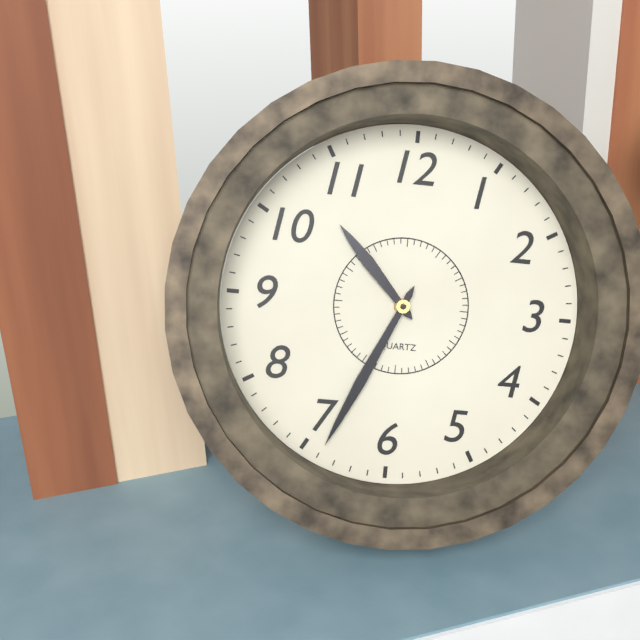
10:34
